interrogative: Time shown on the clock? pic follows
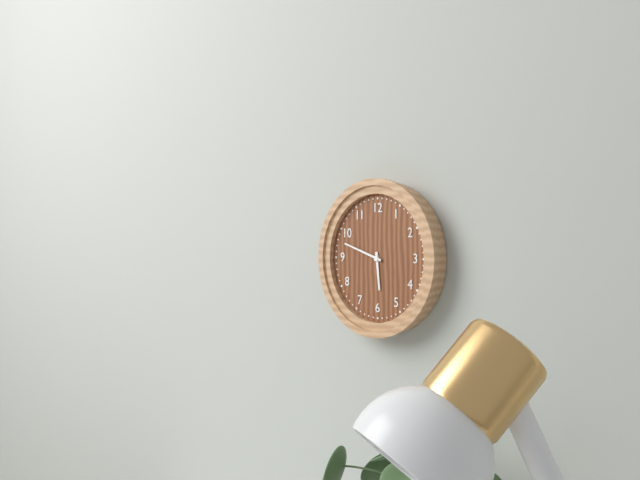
5:48
